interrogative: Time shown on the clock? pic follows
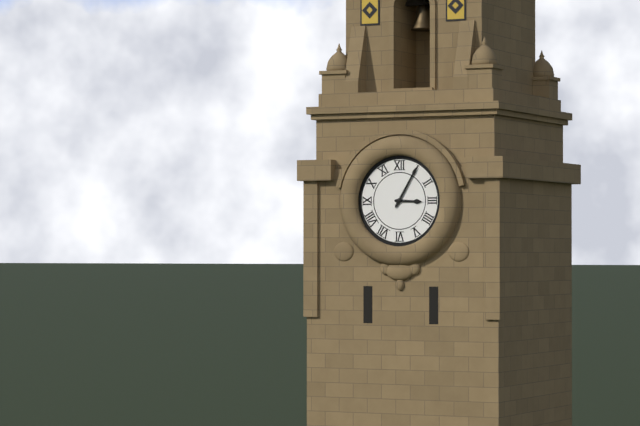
3:05
